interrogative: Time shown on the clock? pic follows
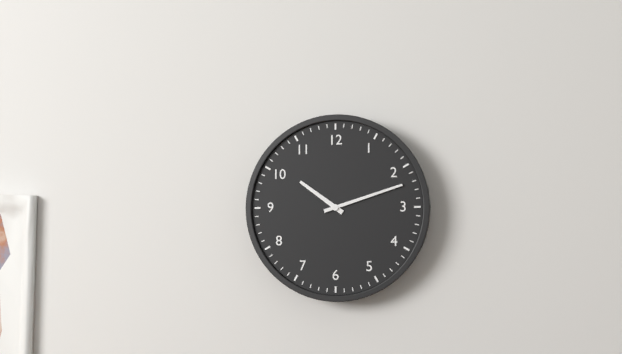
10:12
